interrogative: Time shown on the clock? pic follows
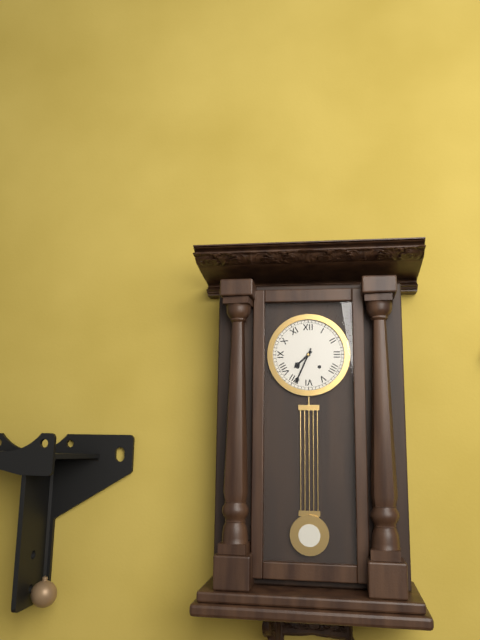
7:34
